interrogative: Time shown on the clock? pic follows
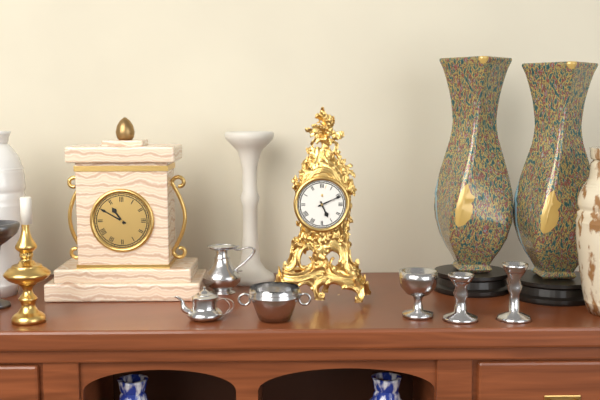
5:11
